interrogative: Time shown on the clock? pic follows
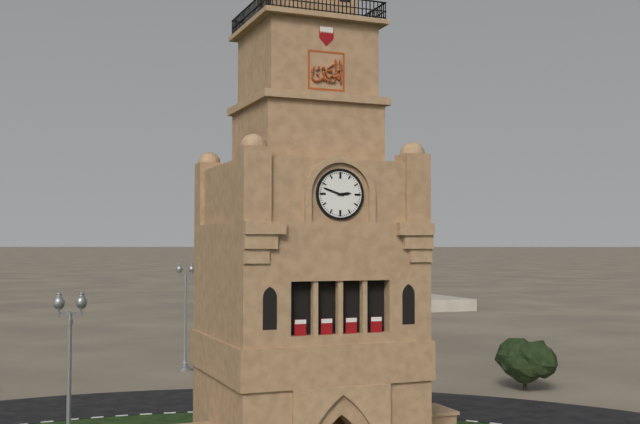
2:48
